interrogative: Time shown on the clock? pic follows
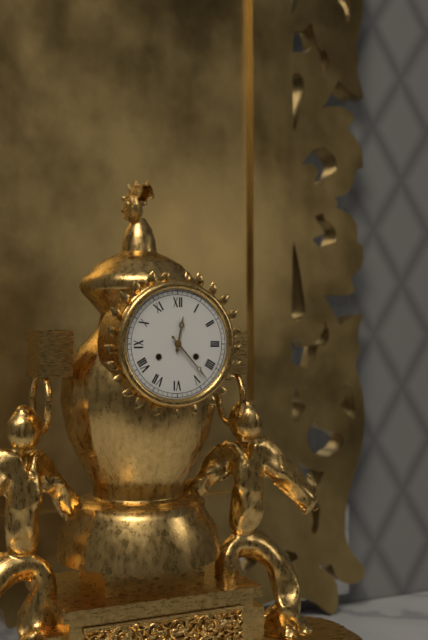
12:23
